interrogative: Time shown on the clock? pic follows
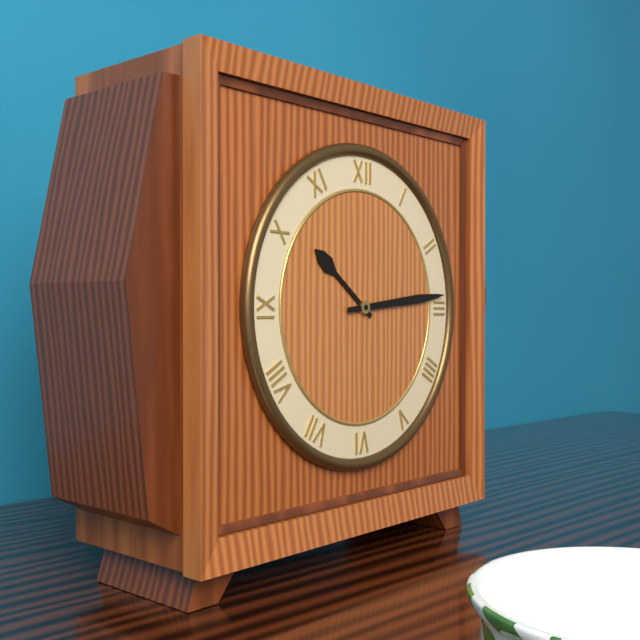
10:14
